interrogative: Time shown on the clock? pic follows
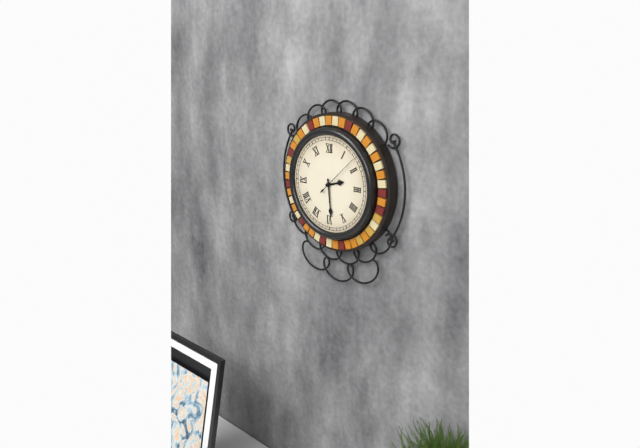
2:29
